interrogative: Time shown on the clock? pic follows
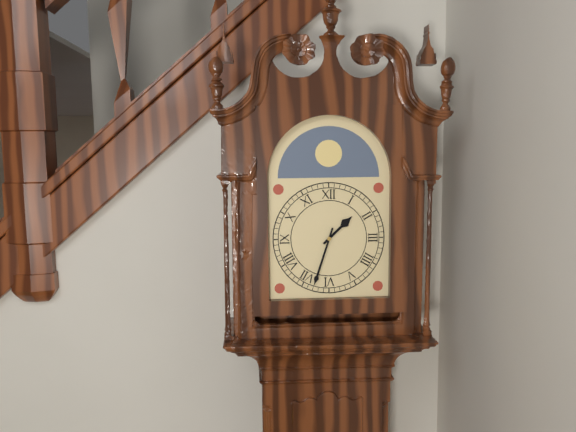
1:33
